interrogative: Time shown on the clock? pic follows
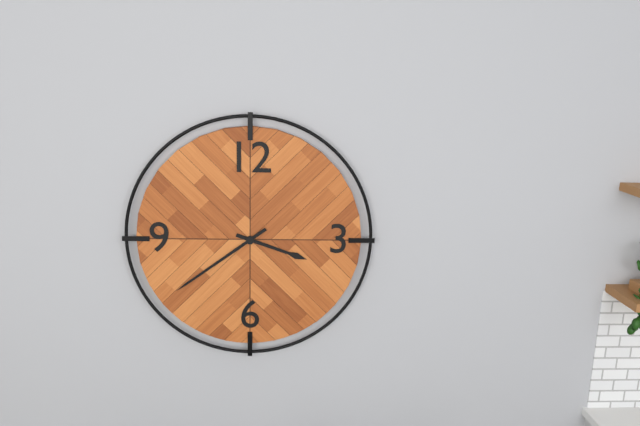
3:39
